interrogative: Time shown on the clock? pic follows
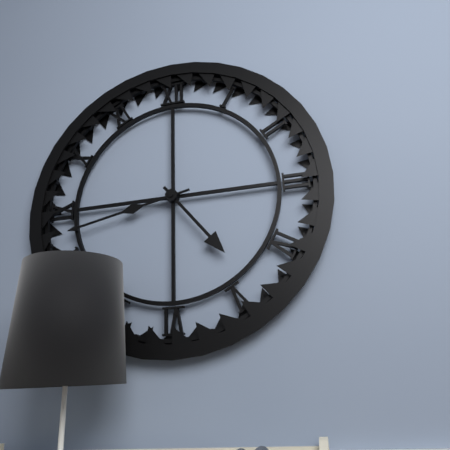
4:43
